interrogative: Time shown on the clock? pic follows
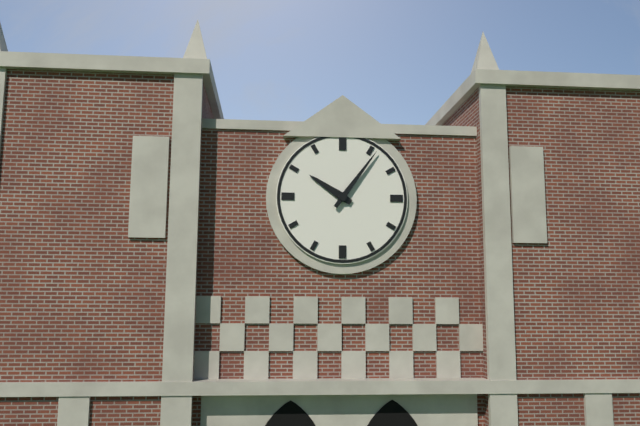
10:06
